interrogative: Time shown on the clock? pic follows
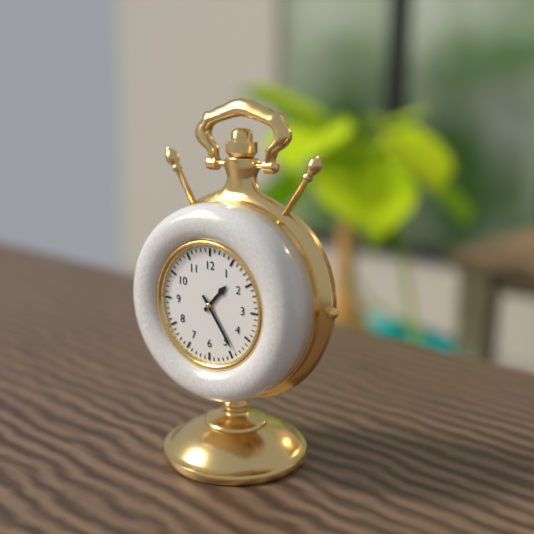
1:24
